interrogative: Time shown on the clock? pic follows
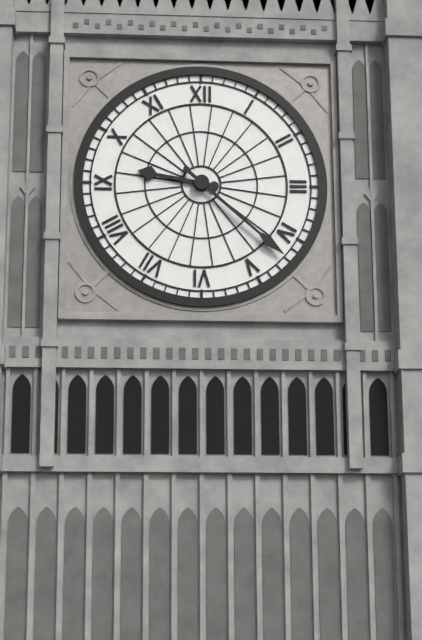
9:22
